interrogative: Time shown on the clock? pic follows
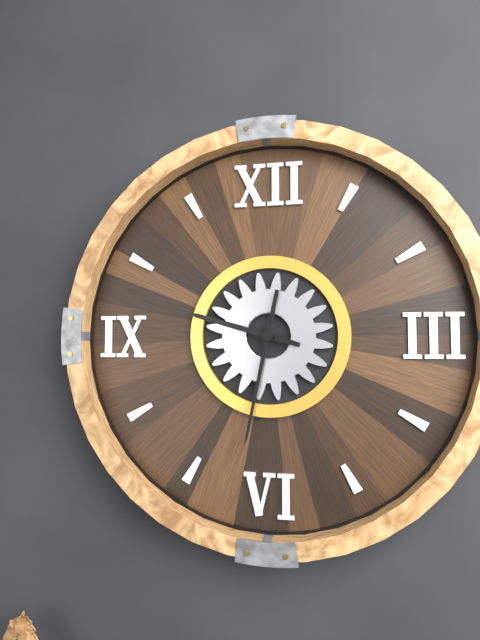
9:32
